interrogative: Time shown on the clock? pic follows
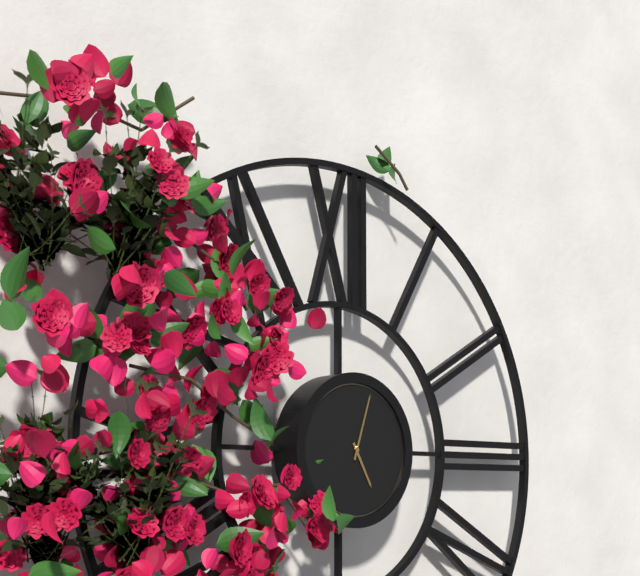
5:03
